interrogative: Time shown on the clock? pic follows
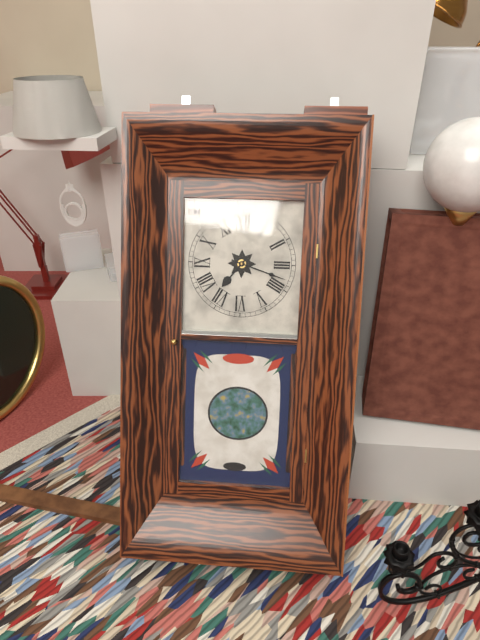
7:18
